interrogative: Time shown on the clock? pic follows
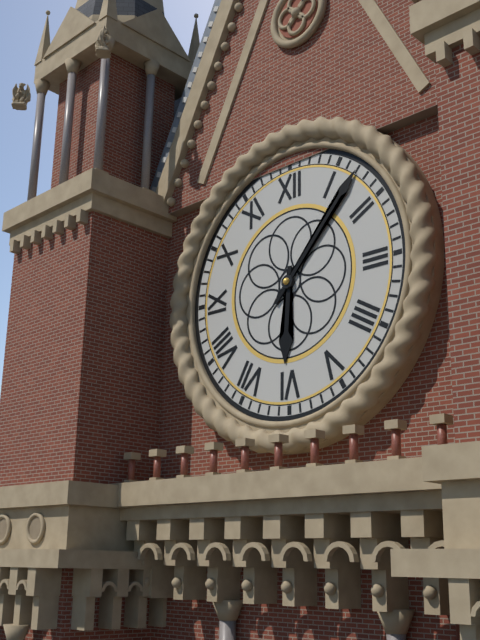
6:07
